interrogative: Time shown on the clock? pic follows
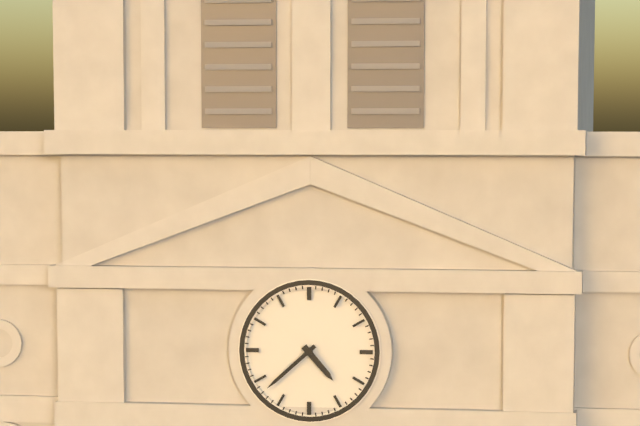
4:38
